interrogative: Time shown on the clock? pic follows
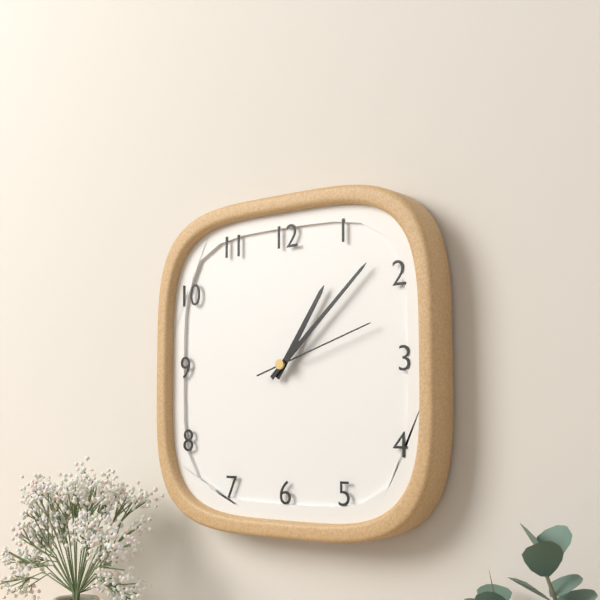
1:08:12
